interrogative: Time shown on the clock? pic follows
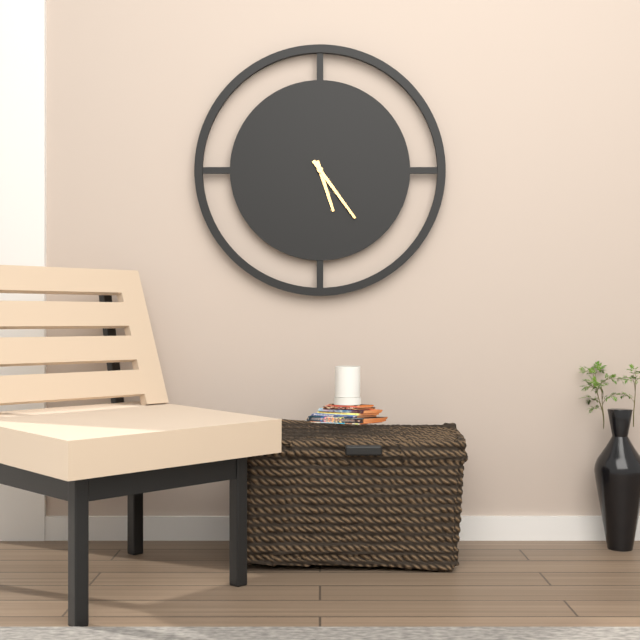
5:24
